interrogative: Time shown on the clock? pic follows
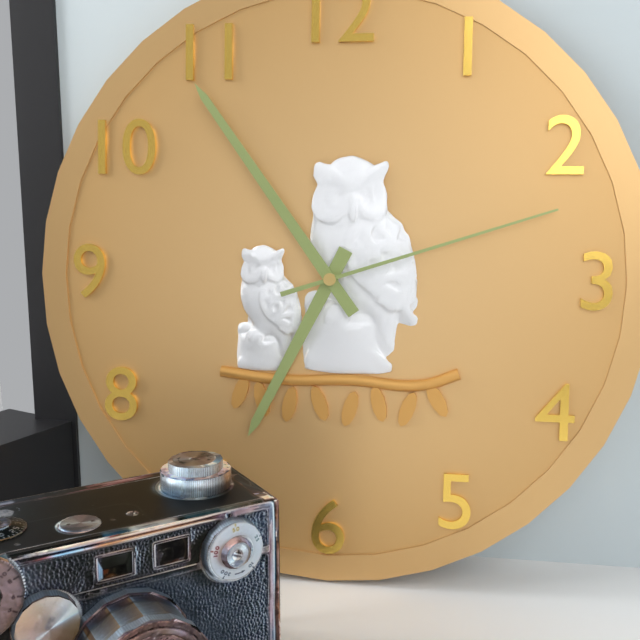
6:54:12
